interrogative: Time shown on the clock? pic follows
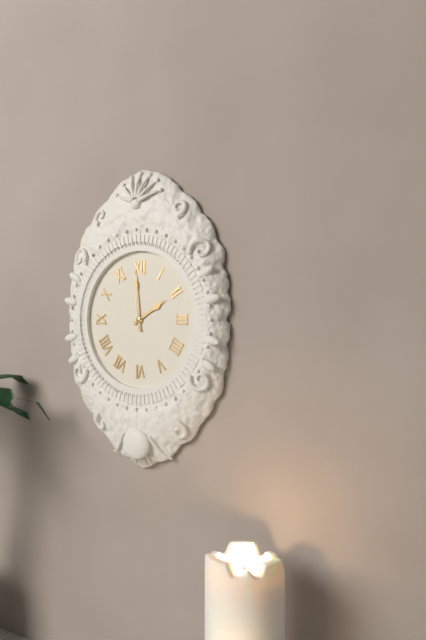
1:59
